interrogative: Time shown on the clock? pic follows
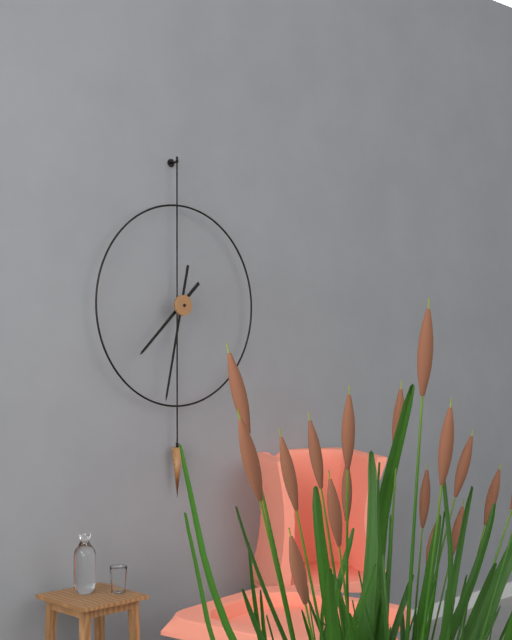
7:32
